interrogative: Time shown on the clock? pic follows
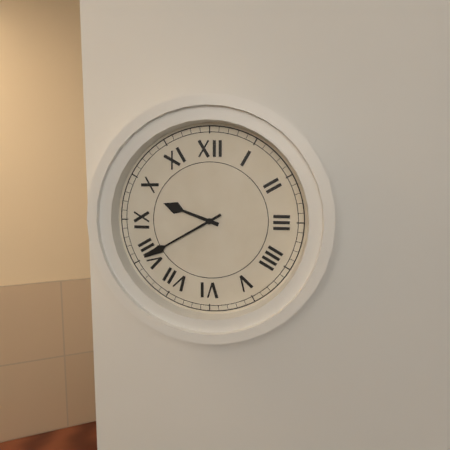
9:40
